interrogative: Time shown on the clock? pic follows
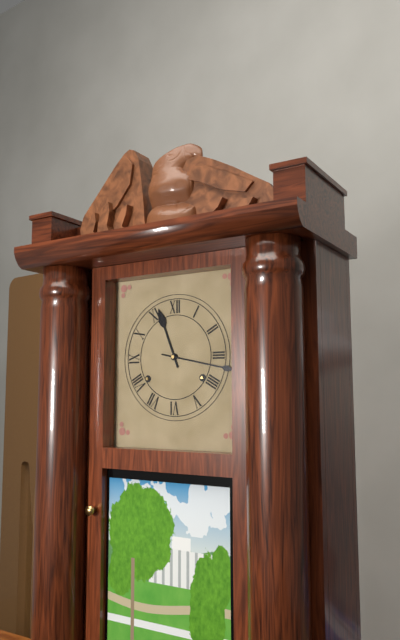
11:17
